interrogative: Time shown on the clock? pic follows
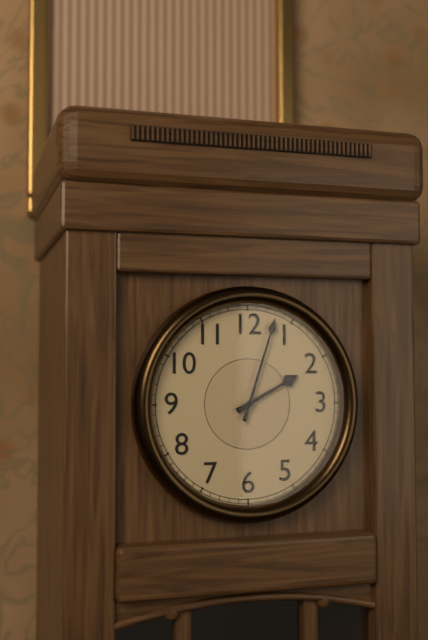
2:03
